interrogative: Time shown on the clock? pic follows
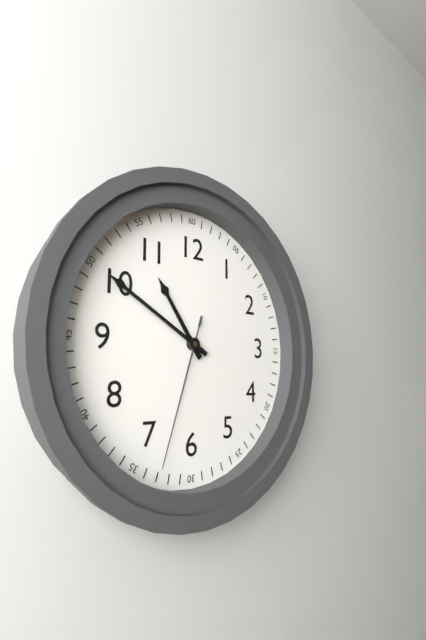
10:50:33
